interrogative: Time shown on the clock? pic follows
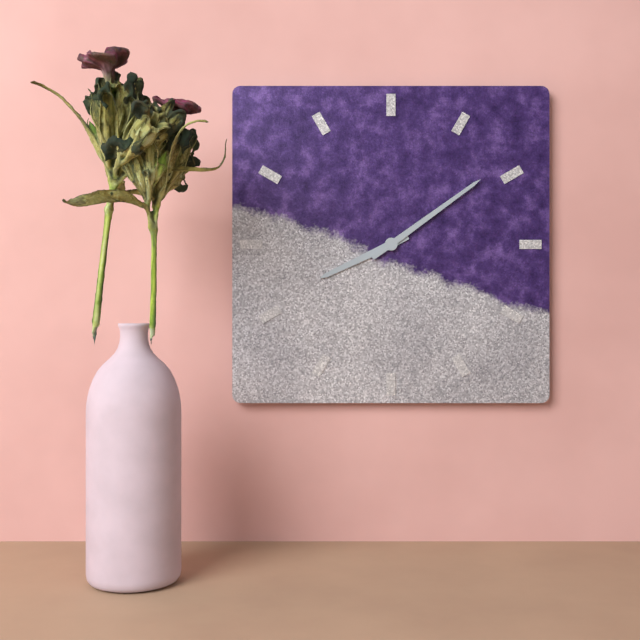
8:09
